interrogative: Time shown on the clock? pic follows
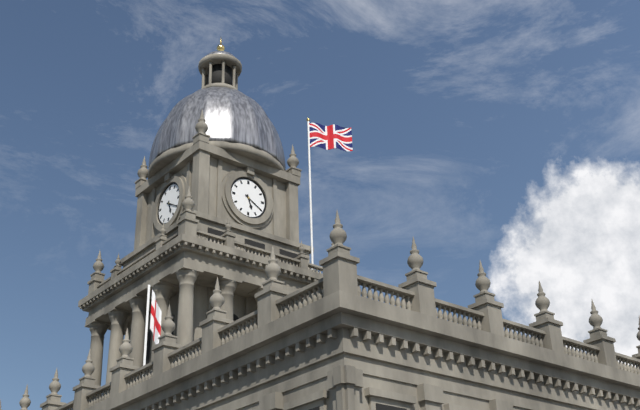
5:20
